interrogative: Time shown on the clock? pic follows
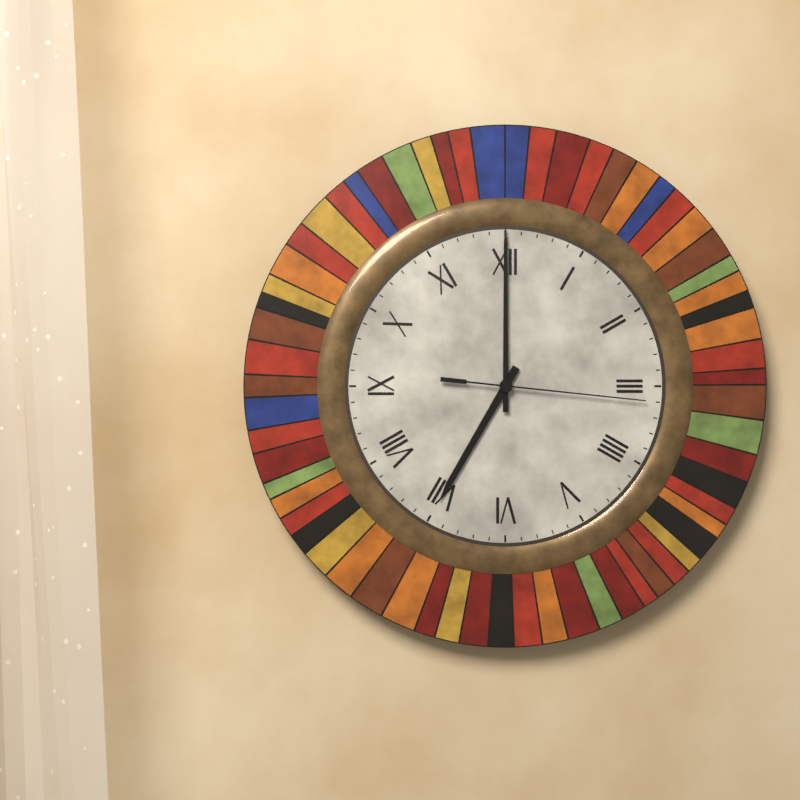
7:00:16
